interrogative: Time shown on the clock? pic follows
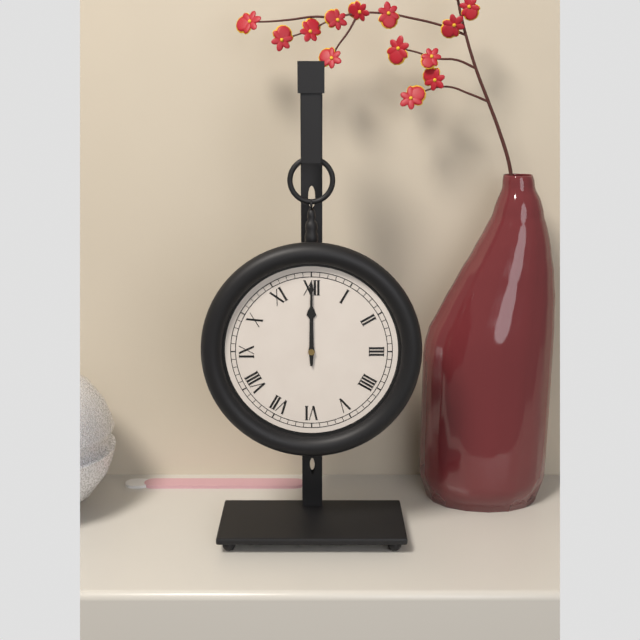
12:00
